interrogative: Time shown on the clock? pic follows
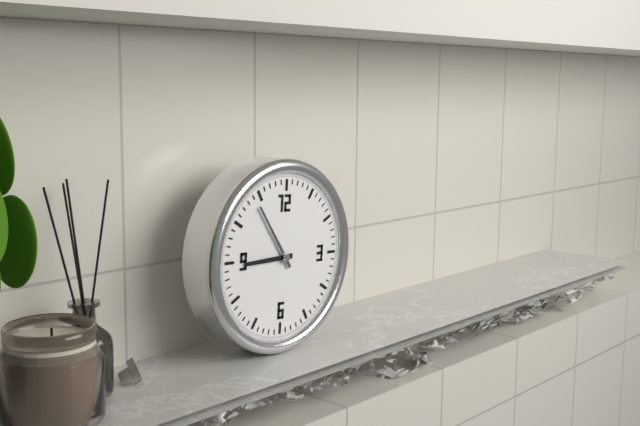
8:54
